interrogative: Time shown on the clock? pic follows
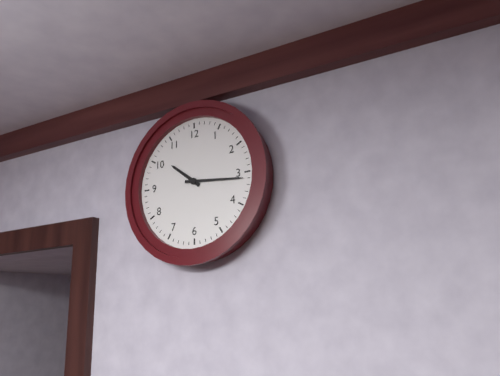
10:16
